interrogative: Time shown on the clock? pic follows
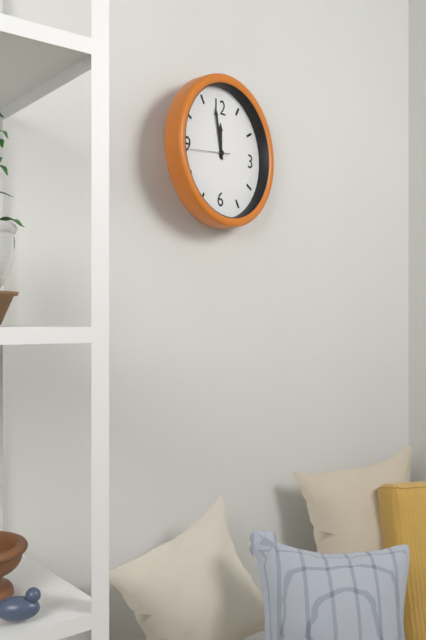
11:58
